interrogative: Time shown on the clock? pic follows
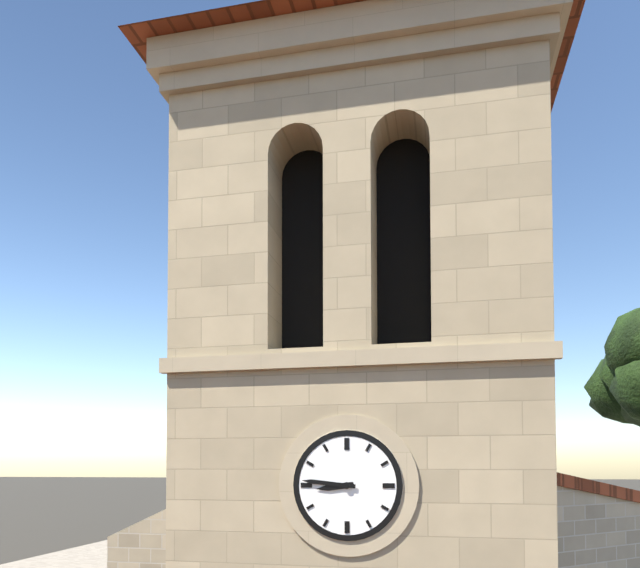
8:46
